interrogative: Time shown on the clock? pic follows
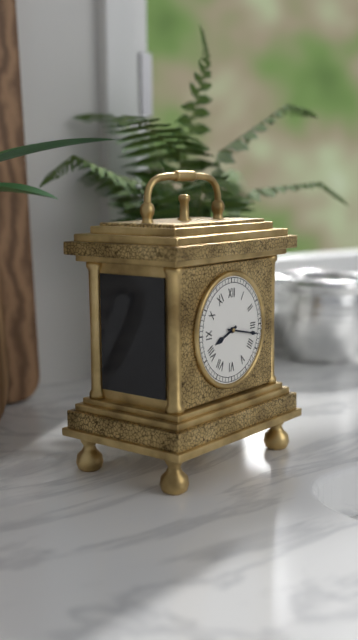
8:17
